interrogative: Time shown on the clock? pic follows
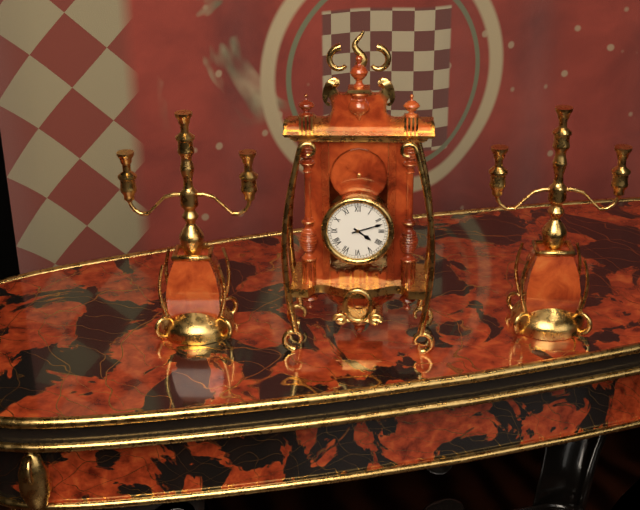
4:12
